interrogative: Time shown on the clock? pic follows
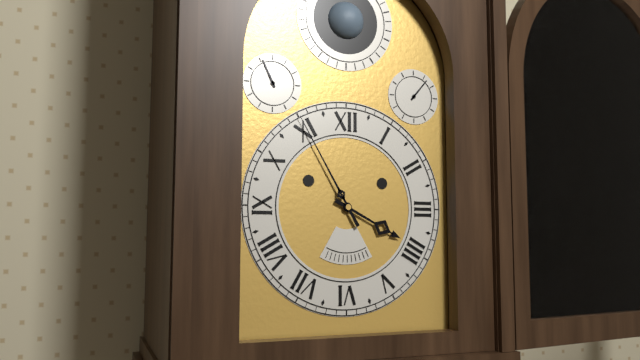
3:55
